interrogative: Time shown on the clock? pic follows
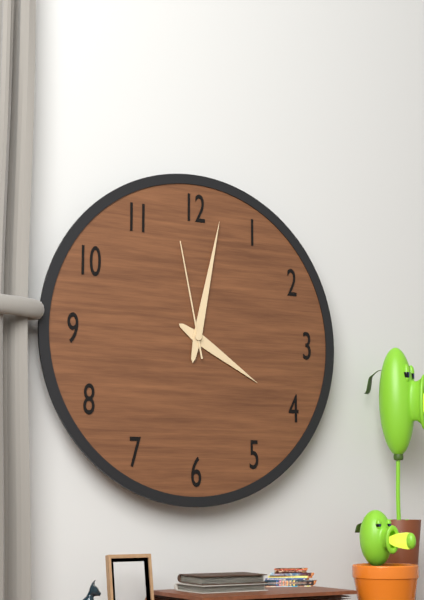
4:02:58
